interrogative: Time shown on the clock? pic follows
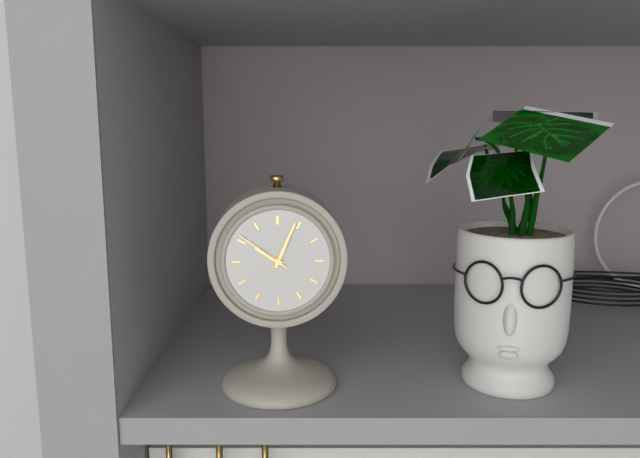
10:04:51
